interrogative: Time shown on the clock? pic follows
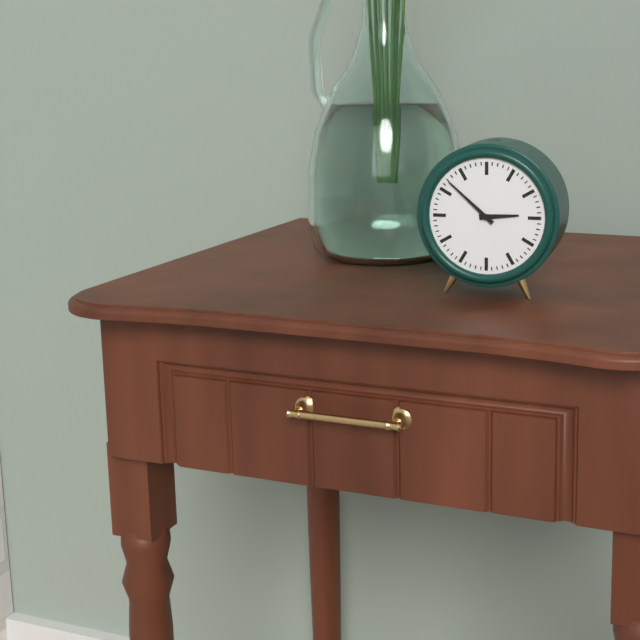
2:52
